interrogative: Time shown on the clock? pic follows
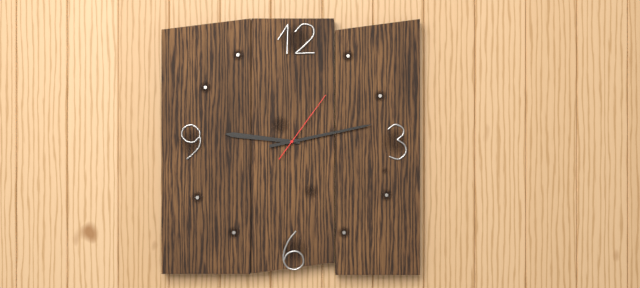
9:13:06
